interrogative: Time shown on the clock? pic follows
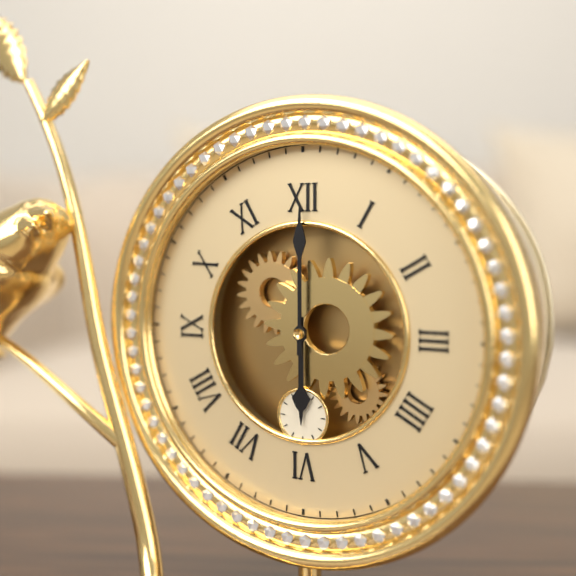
6:00
